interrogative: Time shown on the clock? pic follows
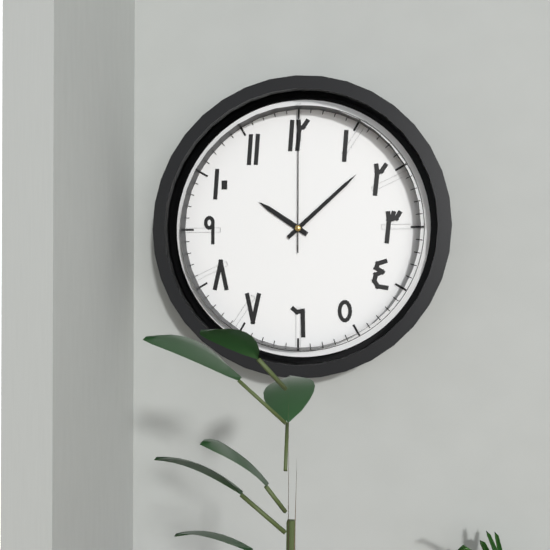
10:08:00
